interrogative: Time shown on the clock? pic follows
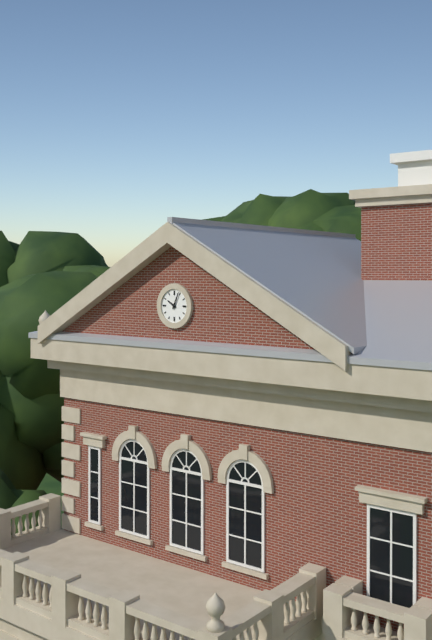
10:04
